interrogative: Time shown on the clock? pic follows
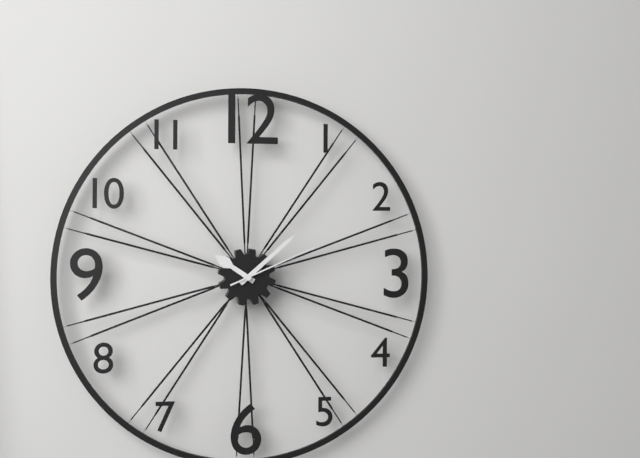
10:08:11
